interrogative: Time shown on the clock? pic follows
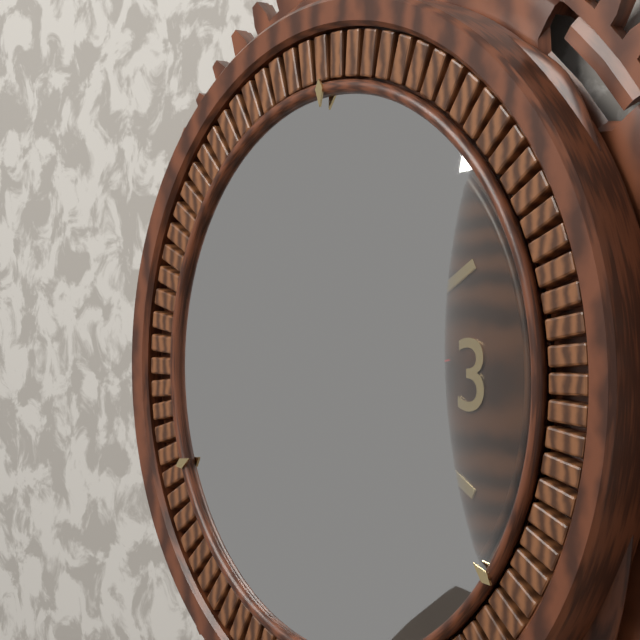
10:50:14
